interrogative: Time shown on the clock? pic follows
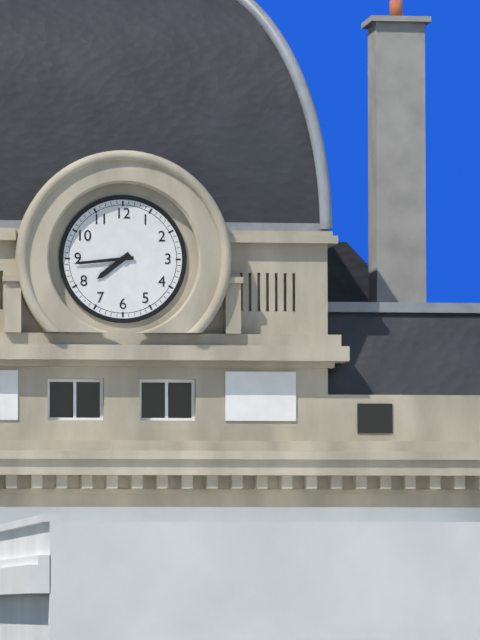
7:44
